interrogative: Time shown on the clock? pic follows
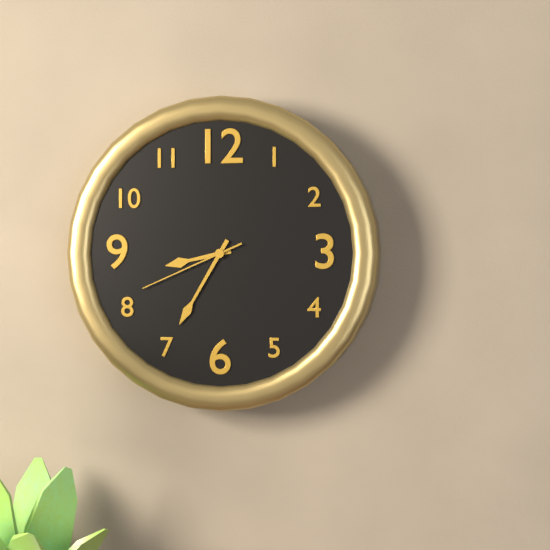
8:35:41
